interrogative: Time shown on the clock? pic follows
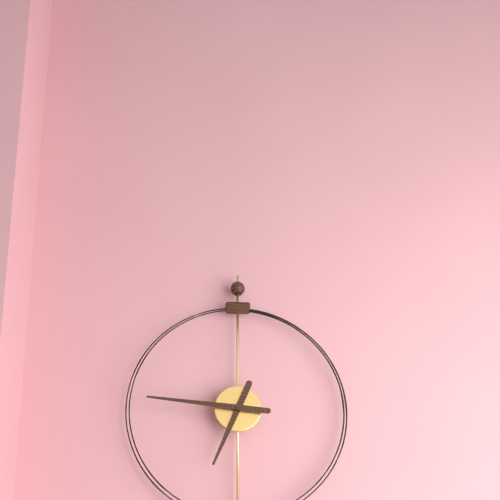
6:46
